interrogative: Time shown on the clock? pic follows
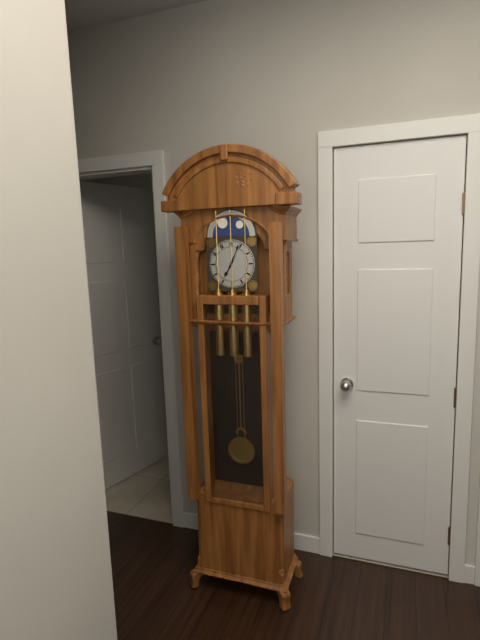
7:04
